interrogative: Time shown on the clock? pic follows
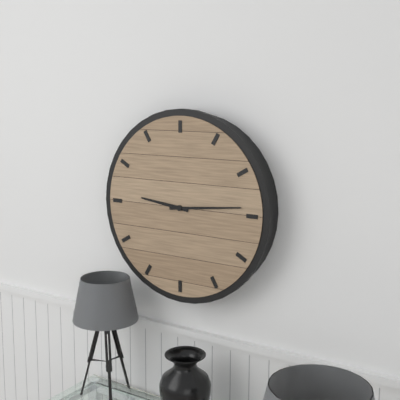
9:14
